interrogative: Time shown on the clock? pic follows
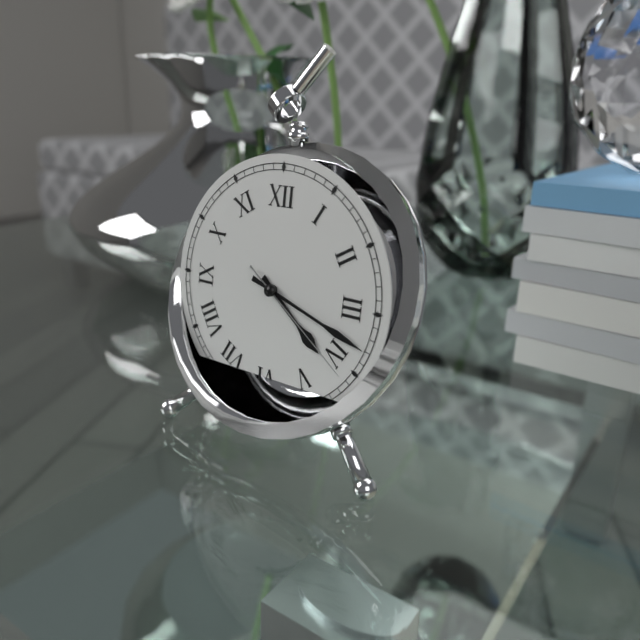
4:18:21
